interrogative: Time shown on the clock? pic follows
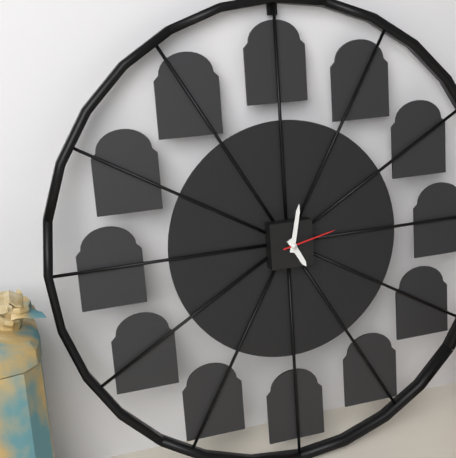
5:02:13
